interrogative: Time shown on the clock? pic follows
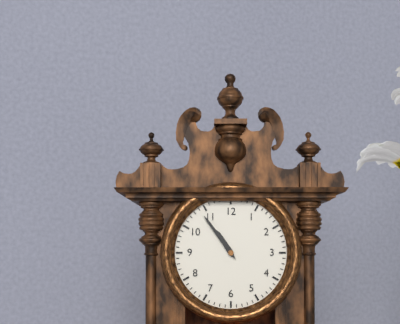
10:54
